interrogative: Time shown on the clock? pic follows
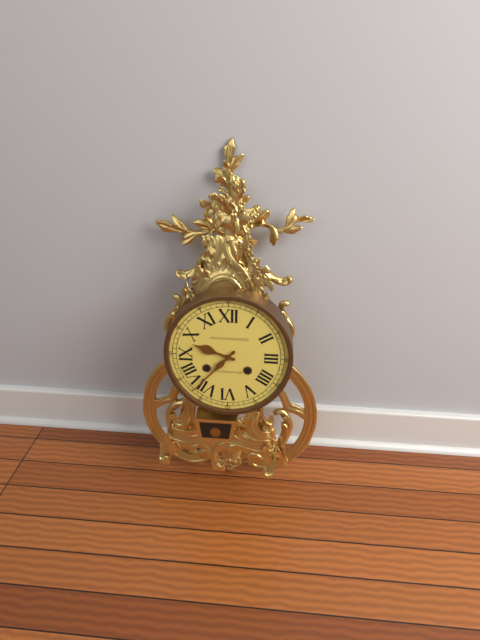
9:37
